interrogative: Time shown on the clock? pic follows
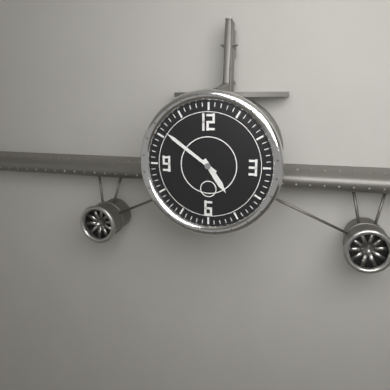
4:51
